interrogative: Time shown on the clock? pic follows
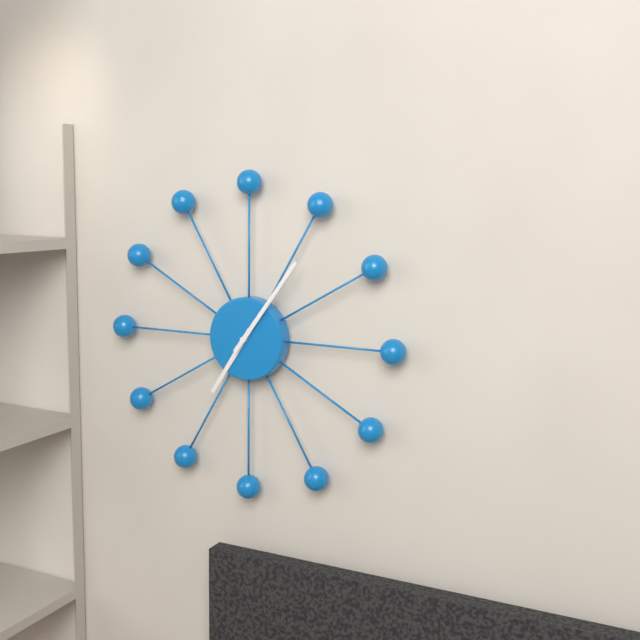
7:06
